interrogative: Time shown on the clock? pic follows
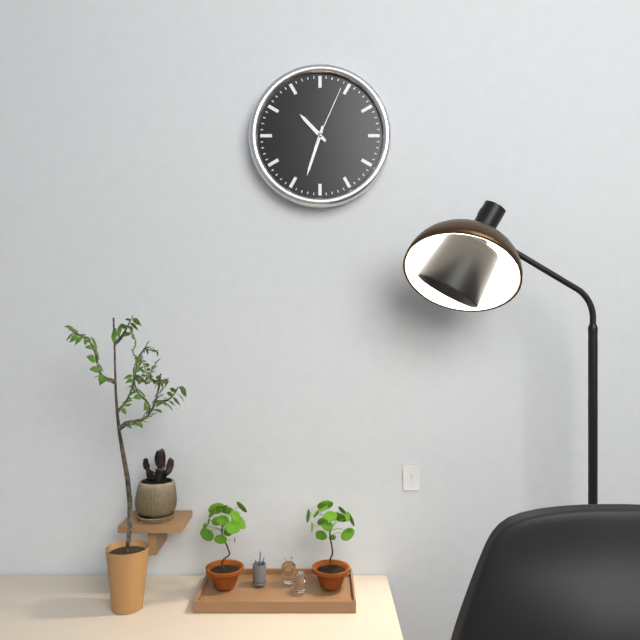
10:33:04
